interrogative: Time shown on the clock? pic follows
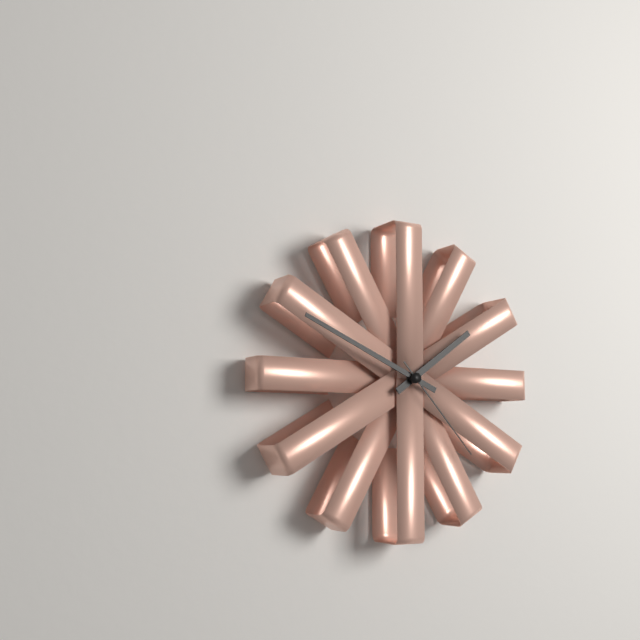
1:49:23
